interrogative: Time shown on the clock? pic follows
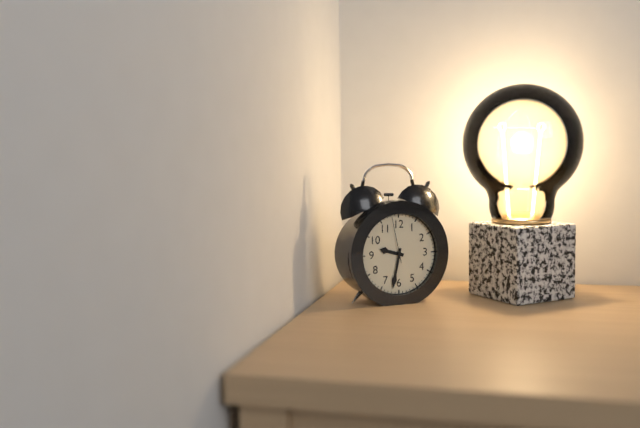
9:32
